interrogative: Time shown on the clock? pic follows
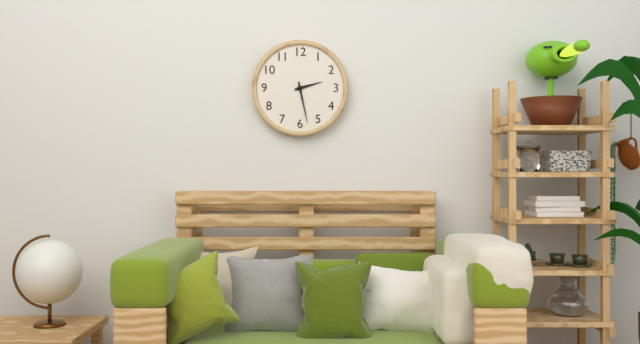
2:28
